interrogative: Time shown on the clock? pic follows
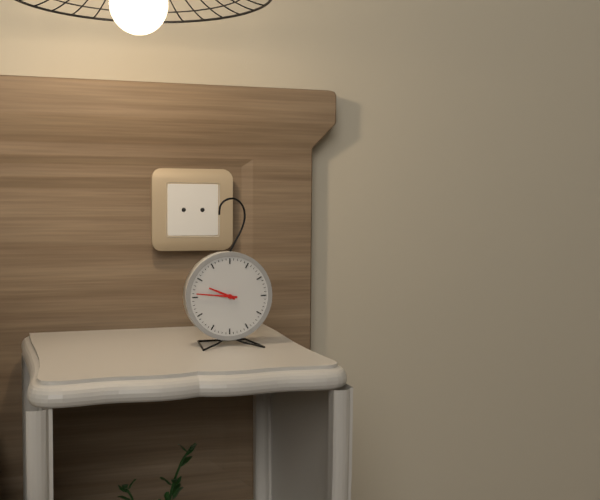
9:46
